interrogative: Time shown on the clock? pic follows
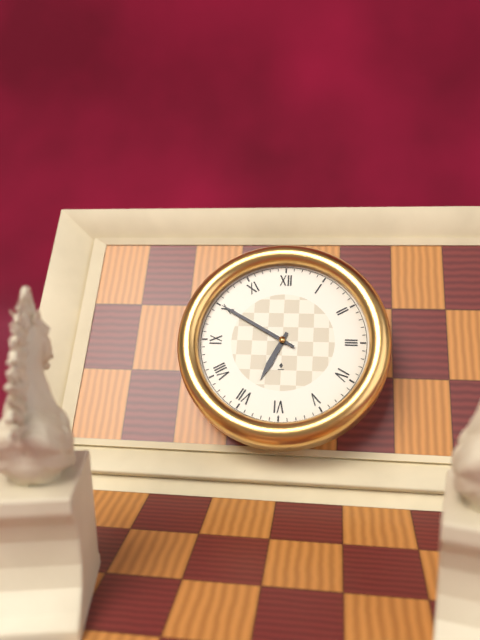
6:50
